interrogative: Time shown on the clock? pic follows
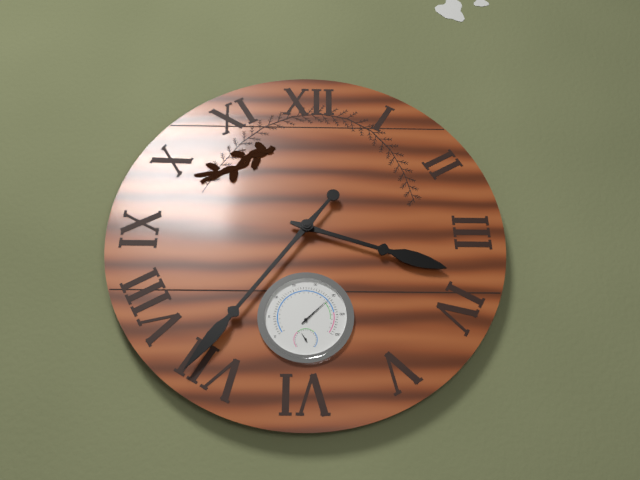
3:36
